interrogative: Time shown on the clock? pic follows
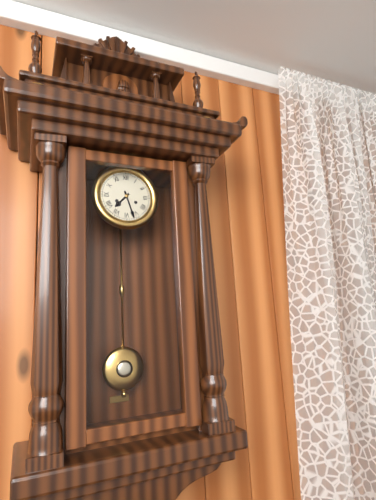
7:27
